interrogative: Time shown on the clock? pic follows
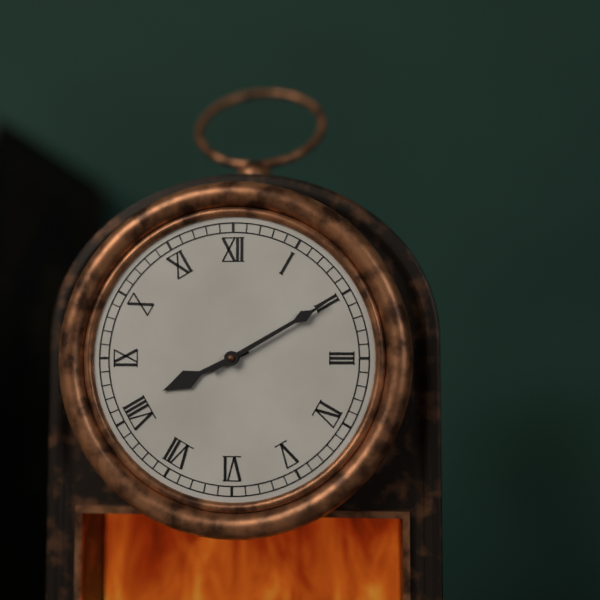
8:10
